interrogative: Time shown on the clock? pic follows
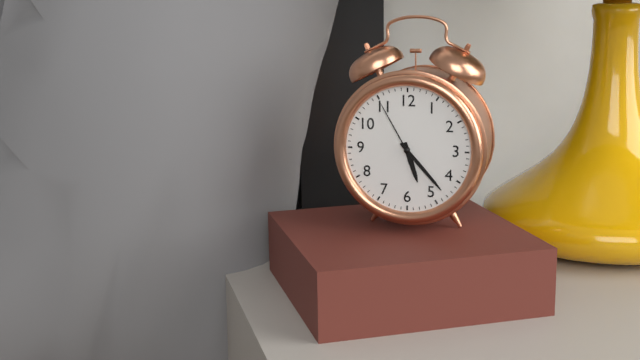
5:23:55
